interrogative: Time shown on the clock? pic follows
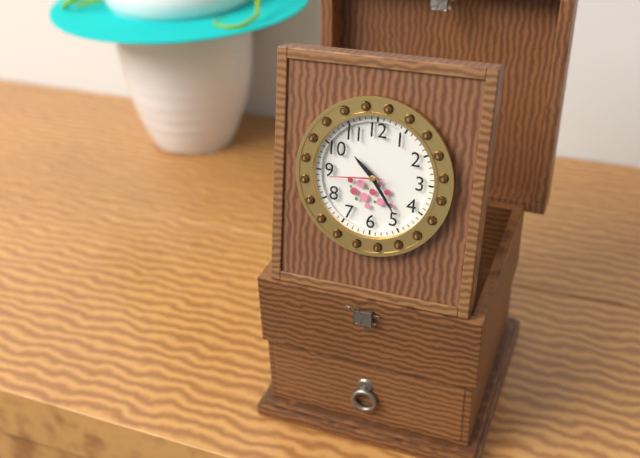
10:24:44
